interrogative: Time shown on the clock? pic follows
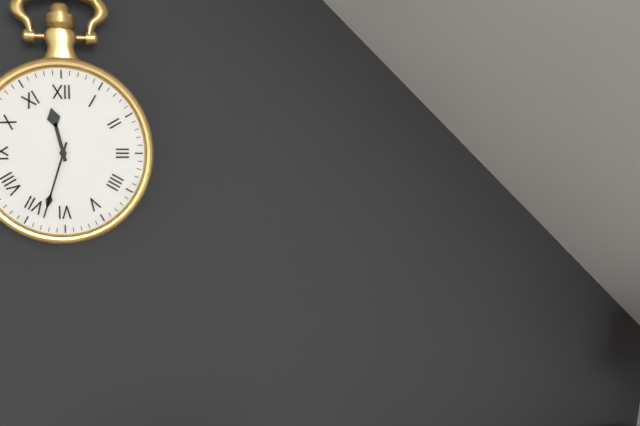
11:33
